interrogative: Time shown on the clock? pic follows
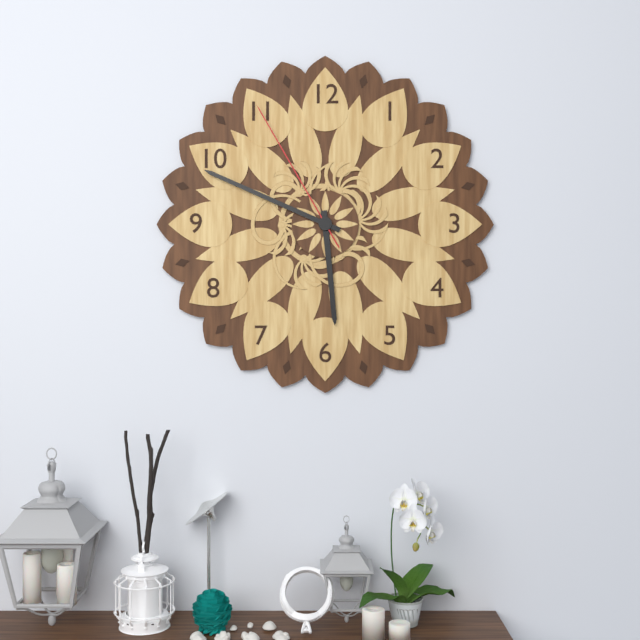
5:49:55
